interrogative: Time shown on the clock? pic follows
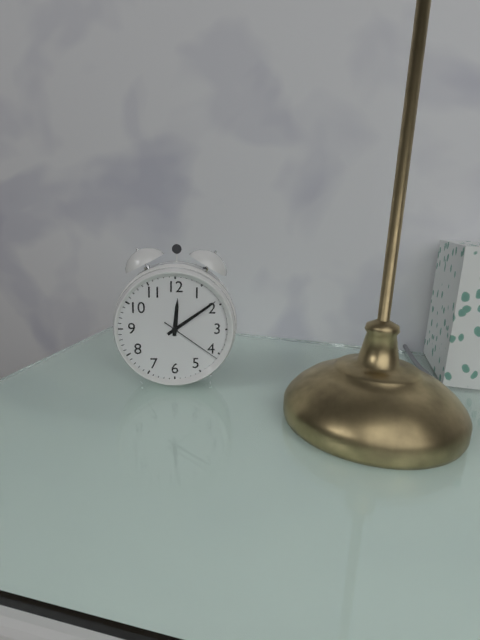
12:09:21
